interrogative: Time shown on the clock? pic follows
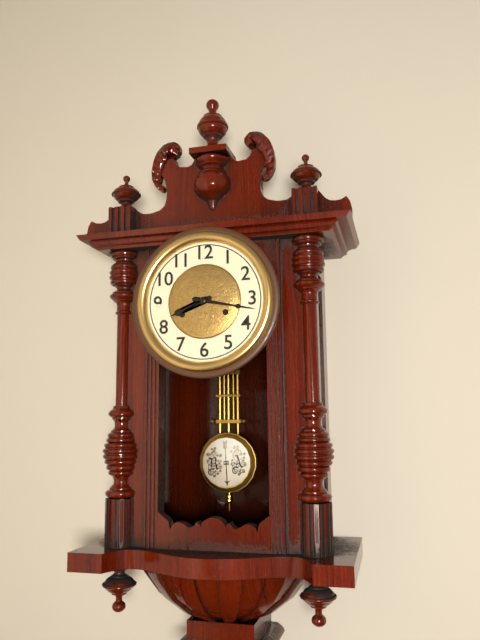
8:17
